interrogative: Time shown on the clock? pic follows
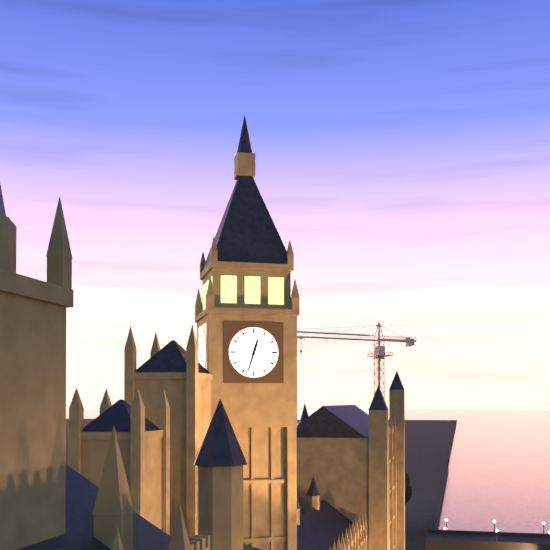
12:33
